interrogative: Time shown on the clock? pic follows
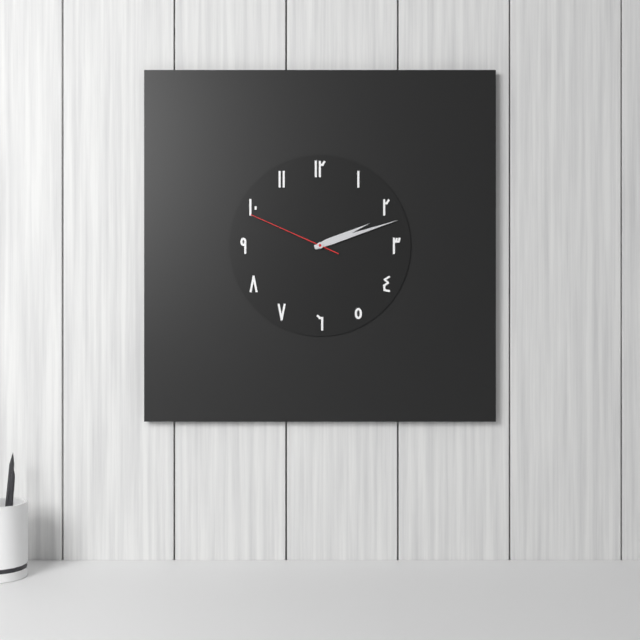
2:12:49
